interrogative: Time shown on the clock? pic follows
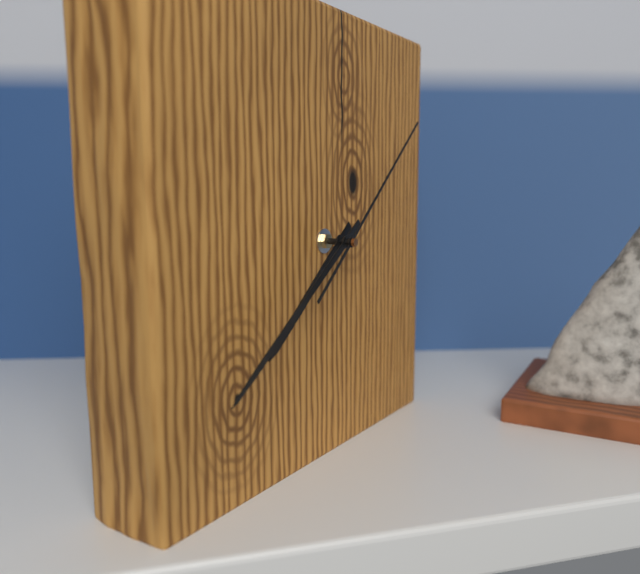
7:39:08
